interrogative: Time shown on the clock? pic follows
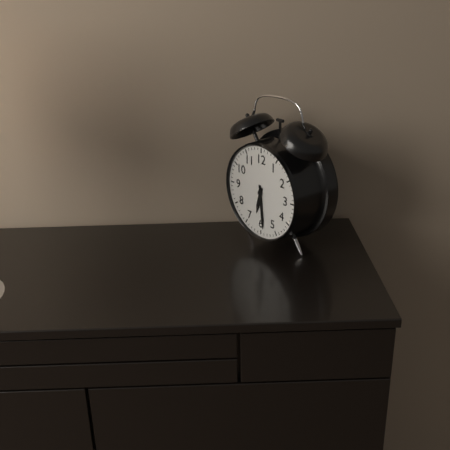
6:29
